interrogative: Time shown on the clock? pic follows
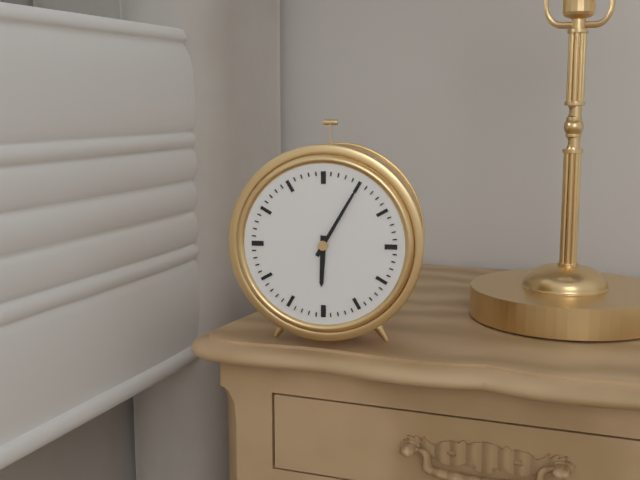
6:05
